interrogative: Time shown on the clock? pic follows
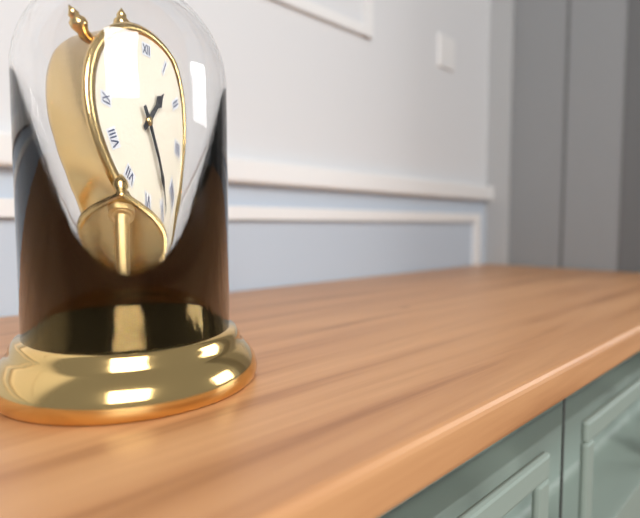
1:24
